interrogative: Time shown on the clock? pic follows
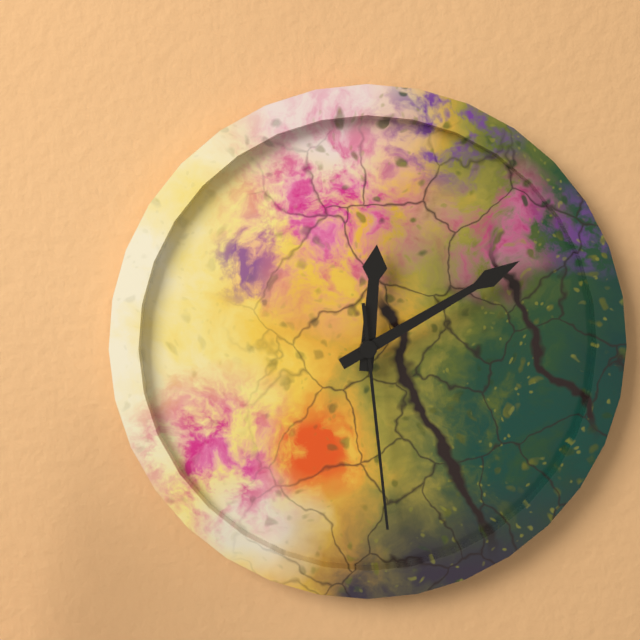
12:10:29
